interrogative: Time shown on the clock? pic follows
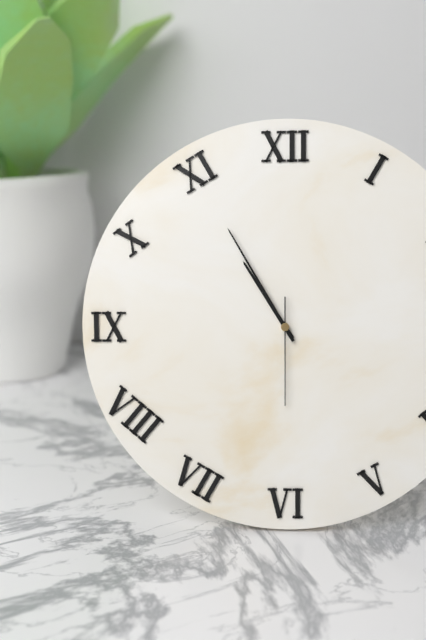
10:55:30
